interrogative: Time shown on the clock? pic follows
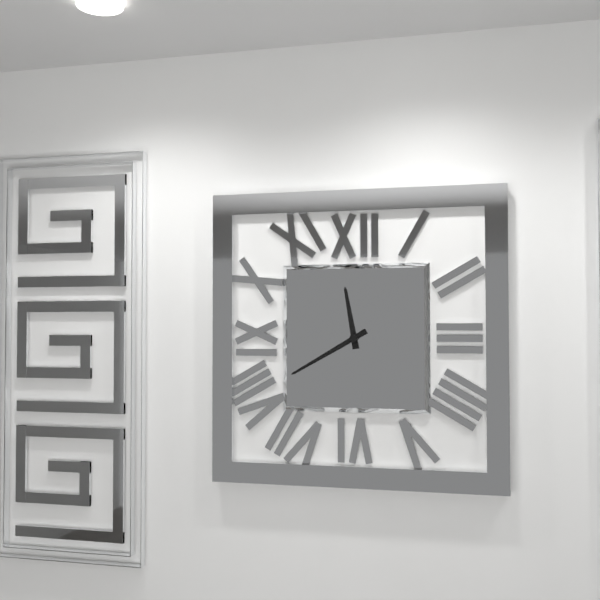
11:40
